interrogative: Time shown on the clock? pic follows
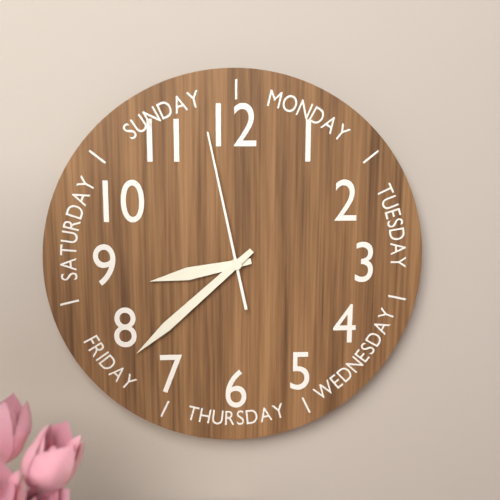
8:38:58
